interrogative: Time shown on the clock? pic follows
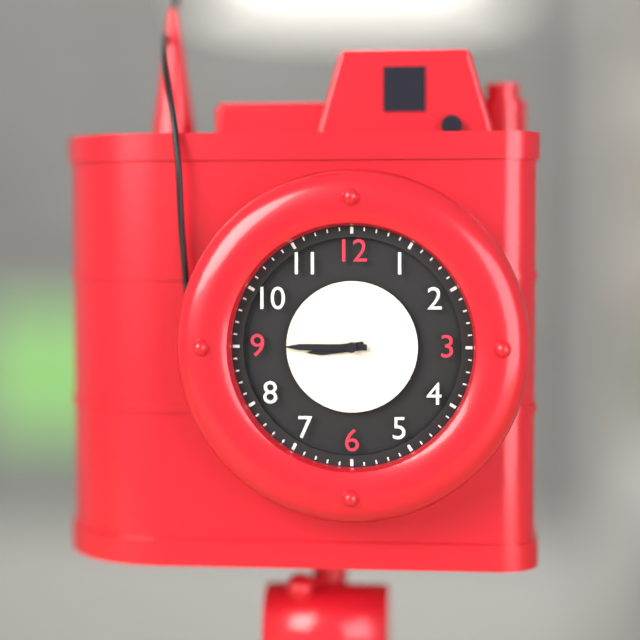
8:45
